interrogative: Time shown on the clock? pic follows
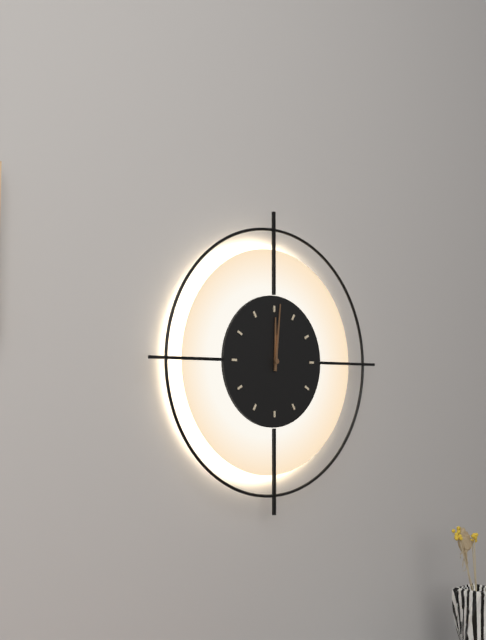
12:01
